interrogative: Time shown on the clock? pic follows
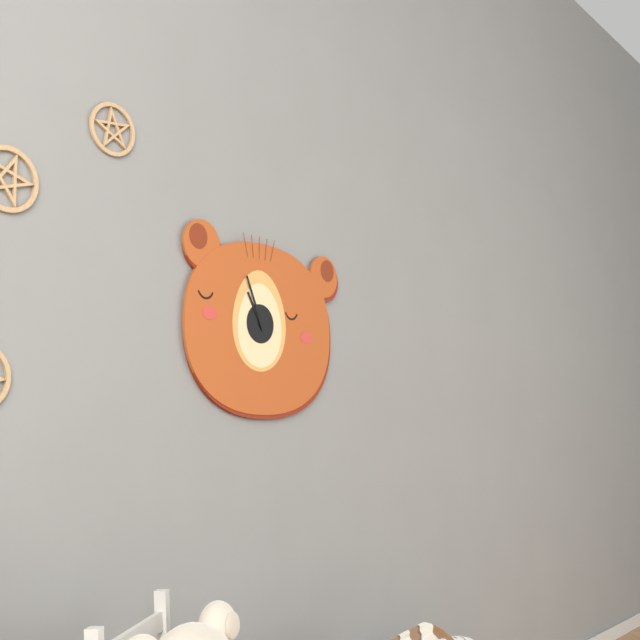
10:56
